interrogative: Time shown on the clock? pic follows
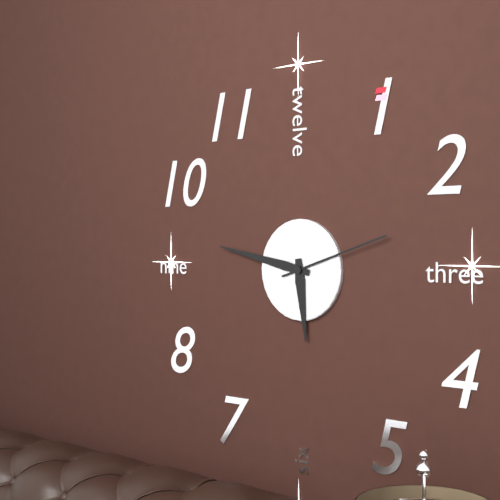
5:47:12
